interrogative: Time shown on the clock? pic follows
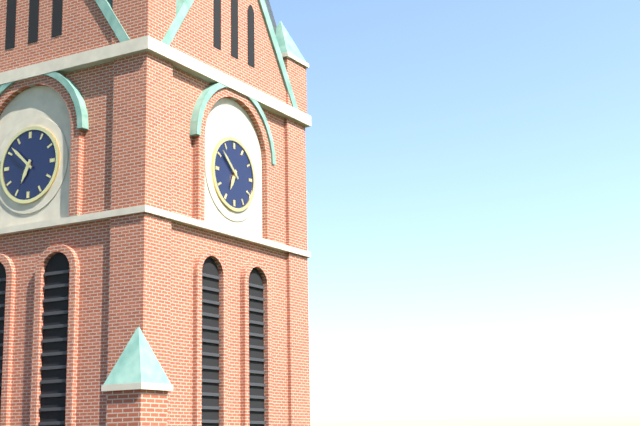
6:52
